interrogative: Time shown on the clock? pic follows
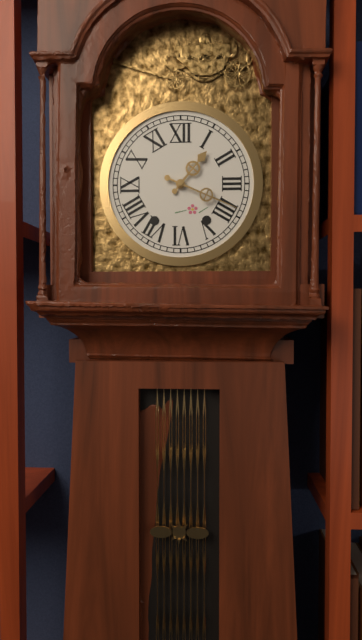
1:19
